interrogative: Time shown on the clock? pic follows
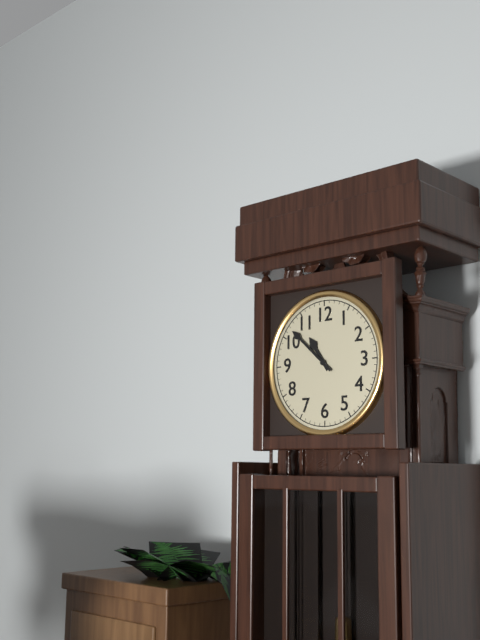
10:52
